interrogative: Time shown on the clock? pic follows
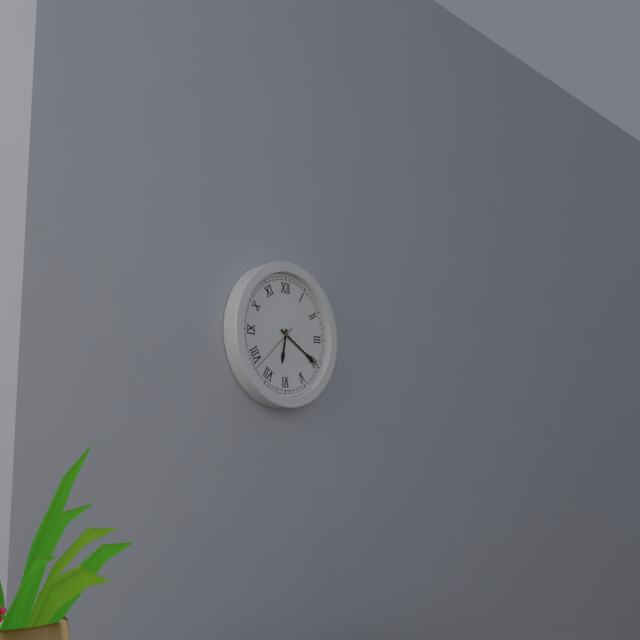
6:20:38
